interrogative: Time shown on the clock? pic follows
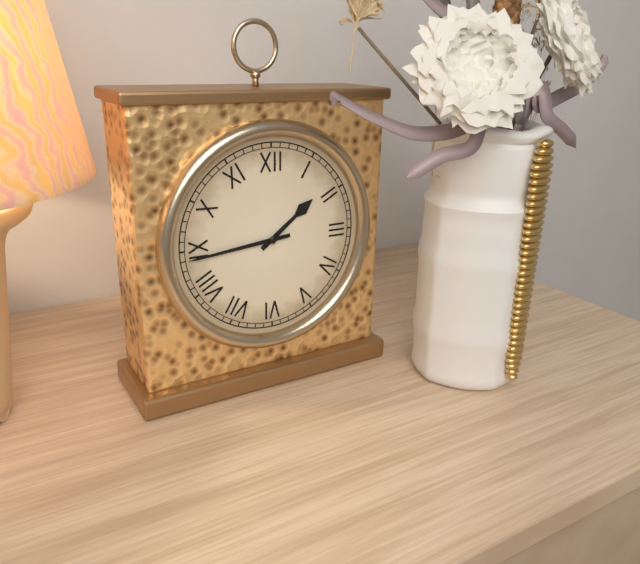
1:44
